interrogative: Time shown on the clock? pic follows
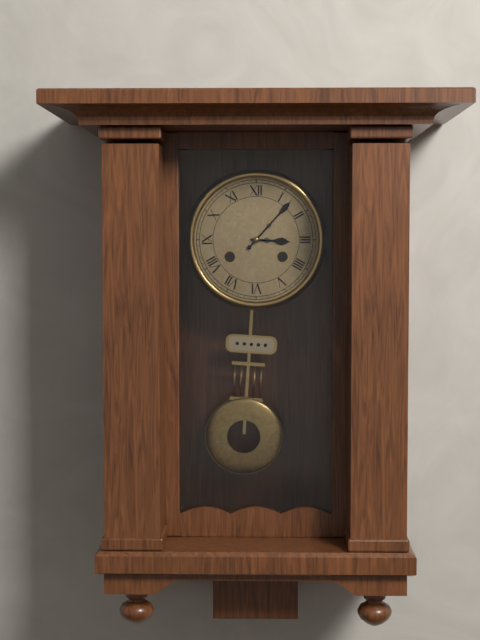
3:07
